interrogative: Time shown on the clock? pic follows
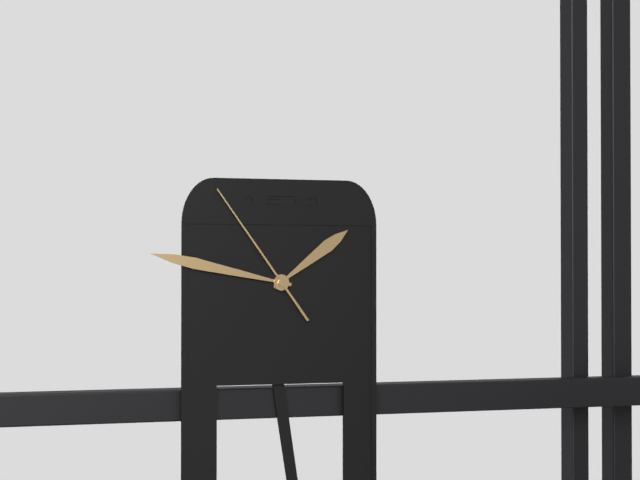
1:47:54
